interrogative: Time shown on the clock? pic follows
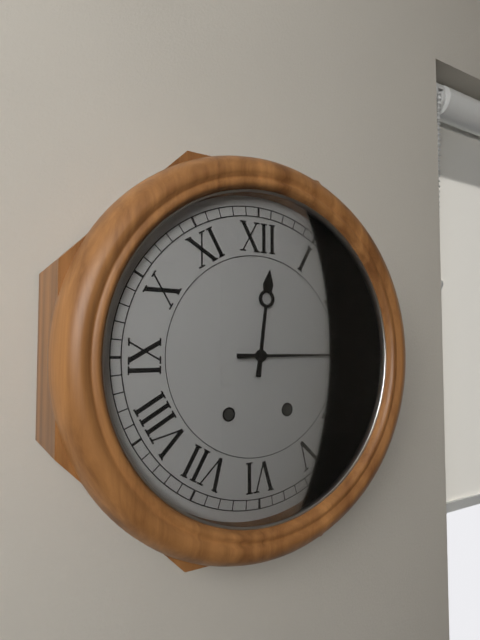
12:15
